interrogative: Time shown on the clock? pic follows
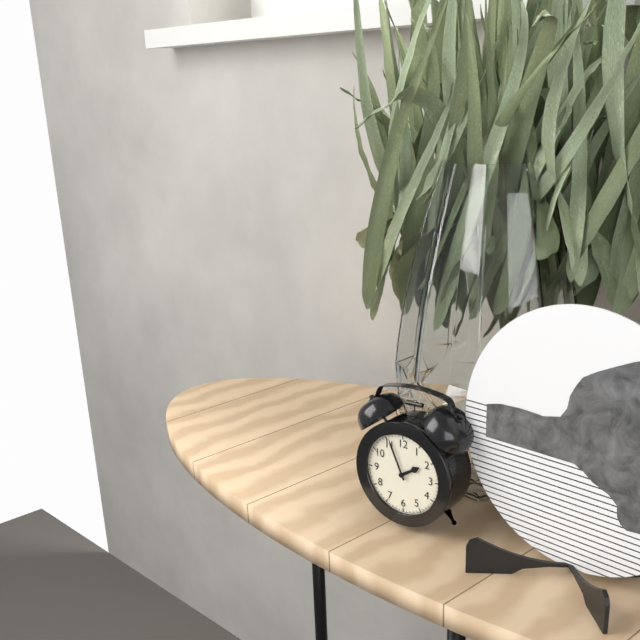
1:56
